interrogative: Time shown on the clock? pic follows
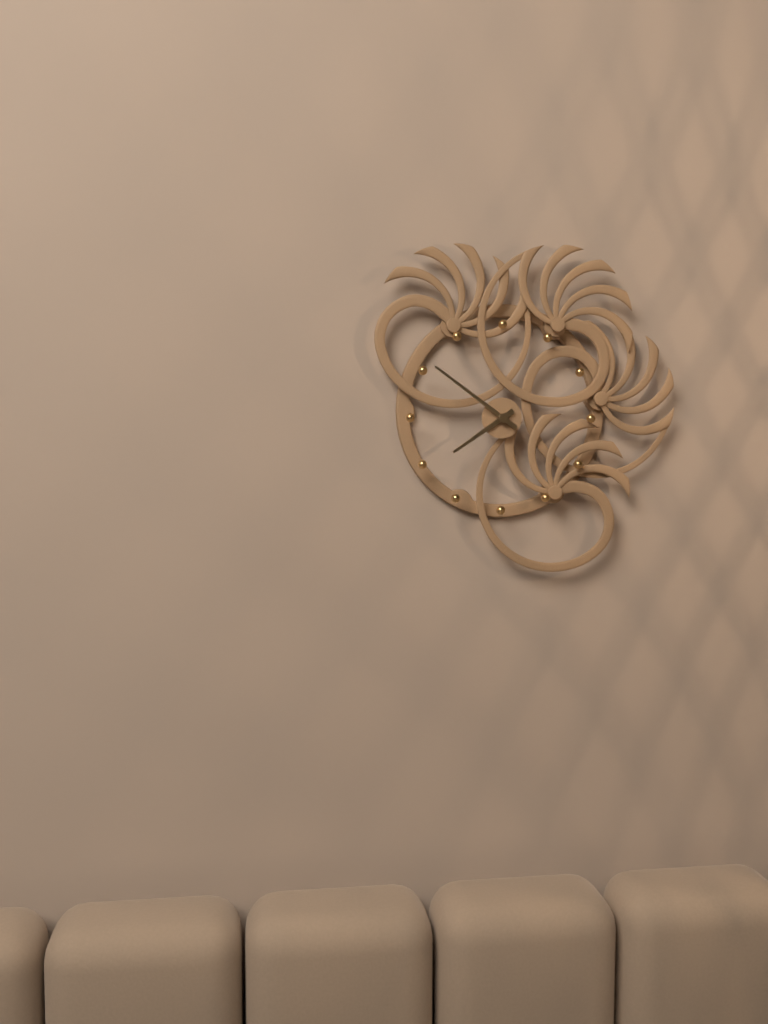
7:51
